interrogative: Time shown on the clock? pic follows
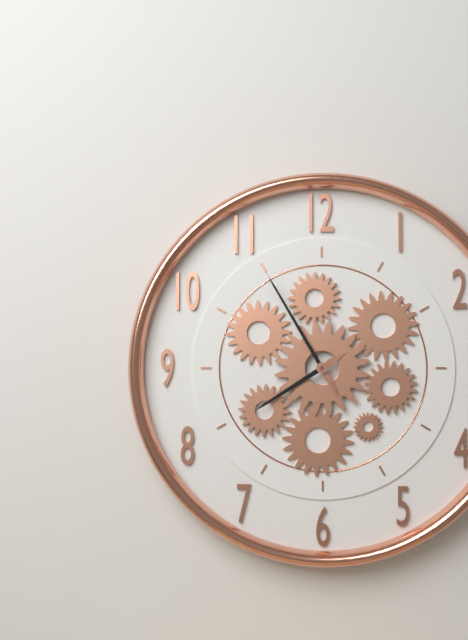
7:55
